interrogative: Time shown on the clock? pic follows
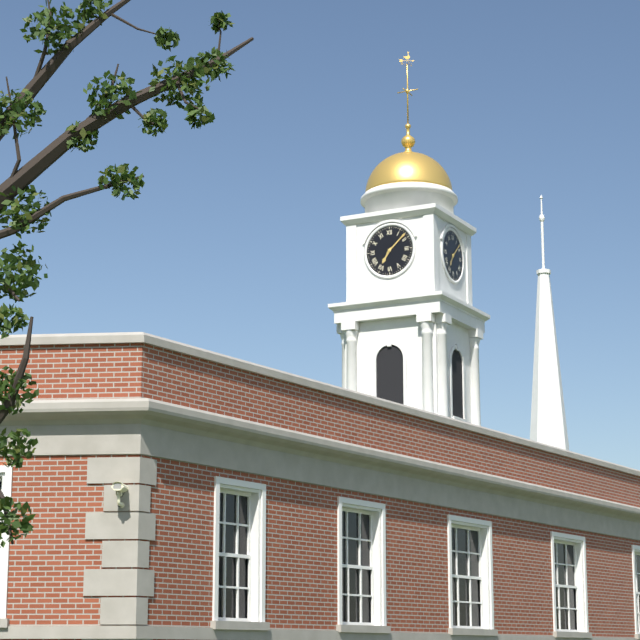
7:08
